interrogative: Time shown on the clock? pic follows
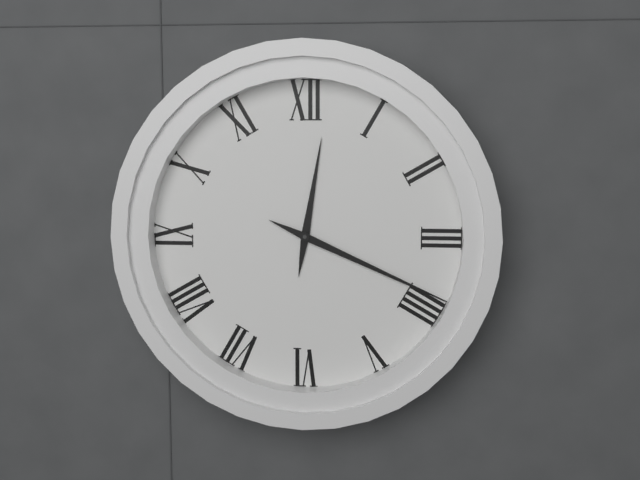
12:19
